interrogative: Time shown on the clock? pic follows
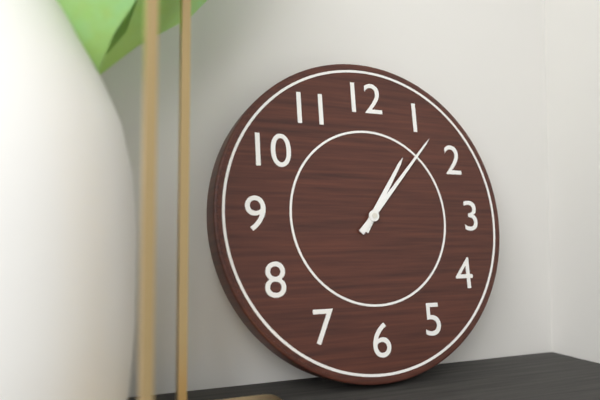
1:07
